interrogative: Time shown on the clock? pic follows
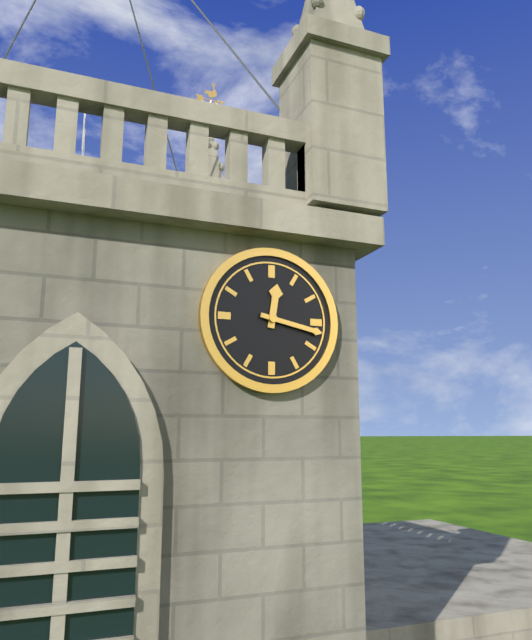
12:17
